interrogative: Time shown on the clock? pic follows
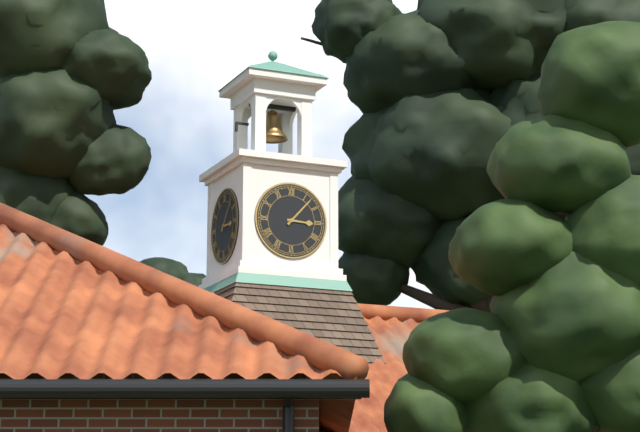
3:07
